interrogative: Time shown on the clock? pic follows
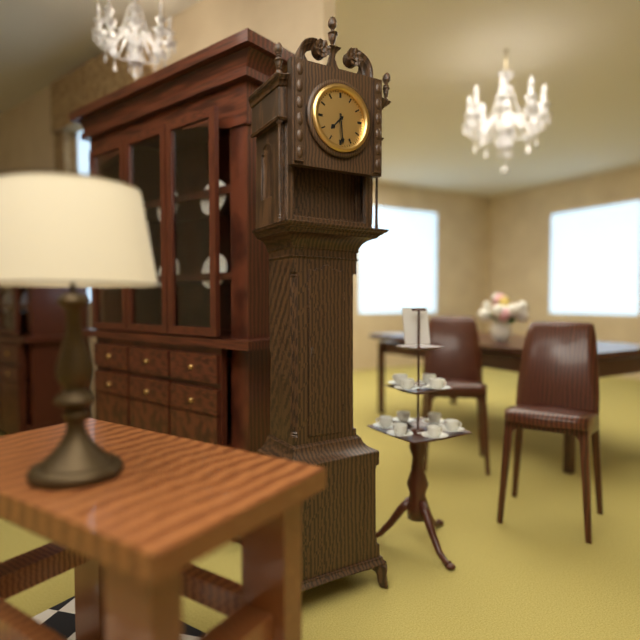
7:29
